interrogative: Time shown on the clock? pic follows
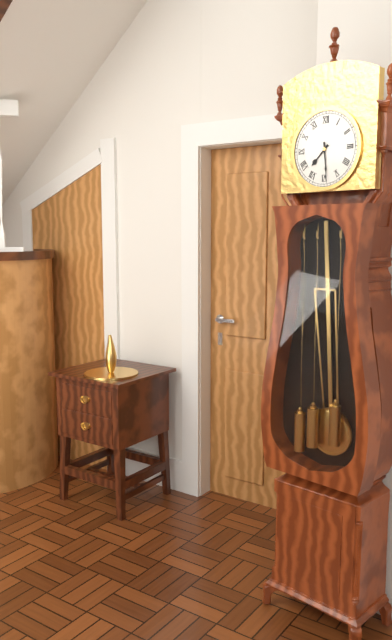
7:29
